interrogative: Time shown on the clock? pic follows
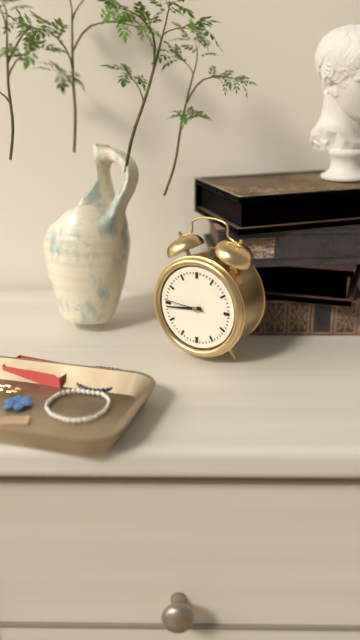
8:44
